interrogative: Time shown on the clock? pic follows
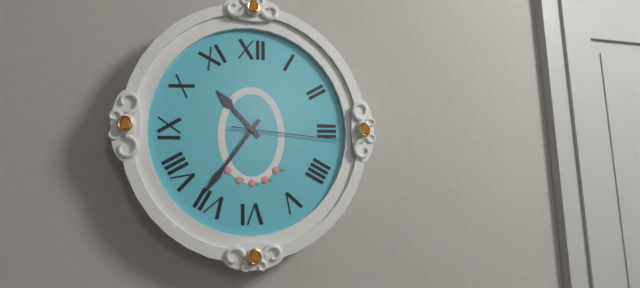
10:36:16
